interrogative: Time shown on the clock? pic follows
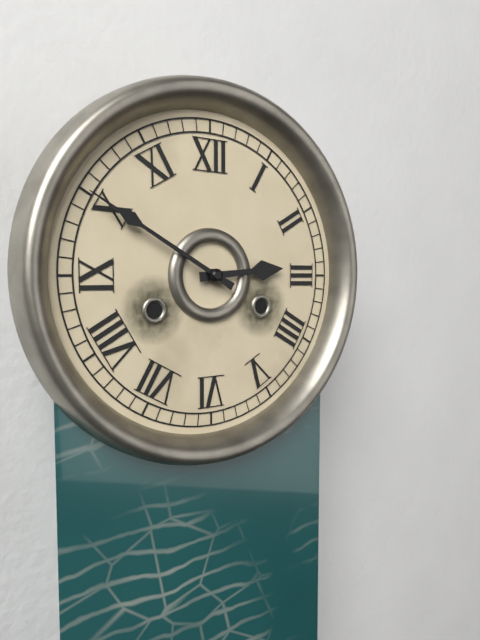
2:50
